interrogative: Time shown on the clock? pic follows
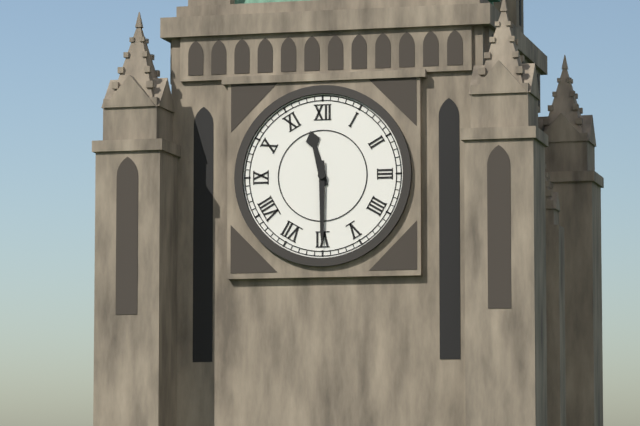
11:30
